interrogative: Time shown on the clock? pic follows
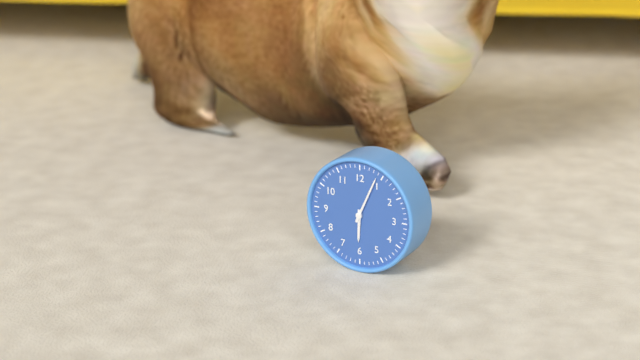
6:04
